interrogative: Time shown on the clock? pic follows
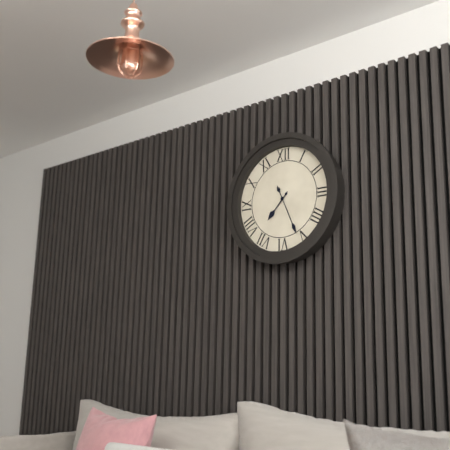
7:26
